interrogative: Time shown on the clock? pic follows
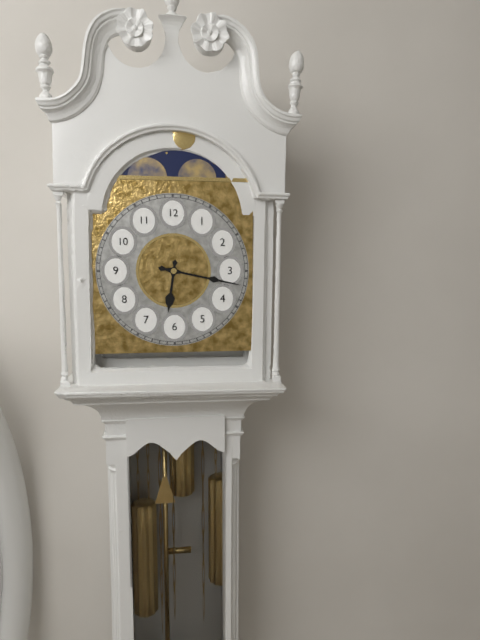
6:17
